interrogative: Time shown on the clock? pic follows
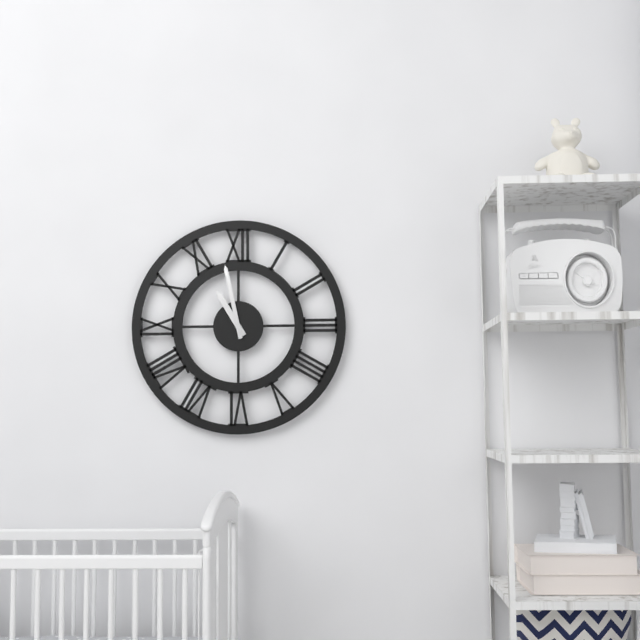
10:58
